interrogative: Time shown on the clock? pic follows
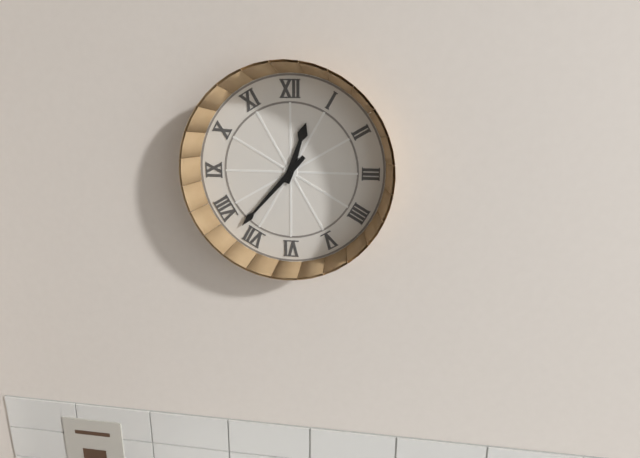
12:37
